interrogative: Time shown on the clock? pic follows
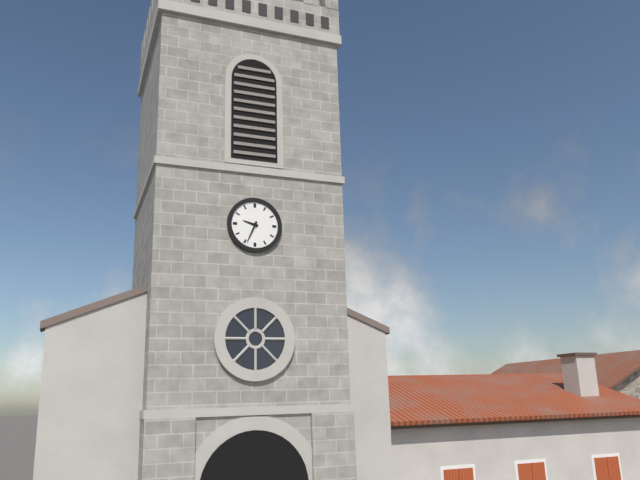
9:34
